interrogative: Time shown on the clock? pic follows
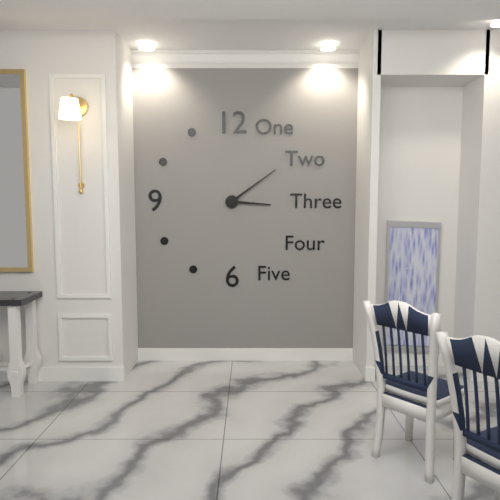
3:09
